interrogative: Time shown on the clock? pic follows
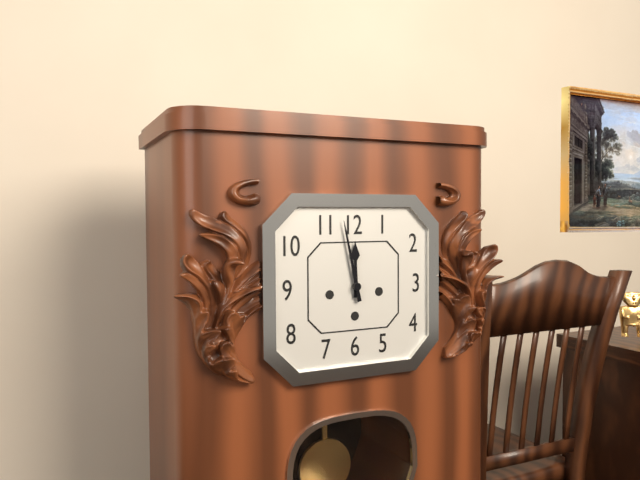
11:58
